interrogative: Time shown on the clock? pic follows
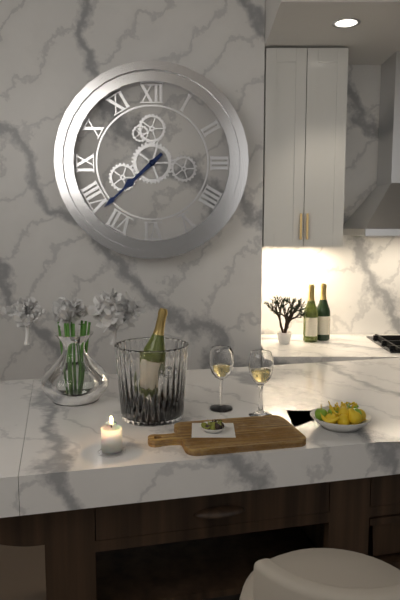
7:38
